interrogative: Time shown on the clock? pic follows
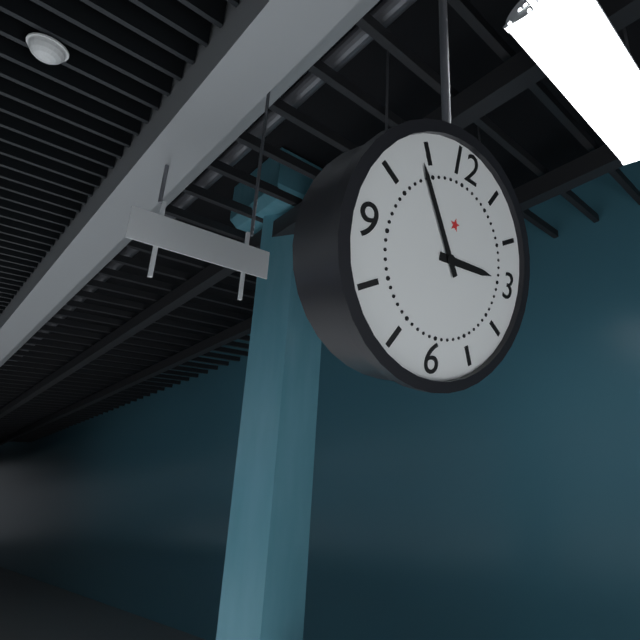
2:54
